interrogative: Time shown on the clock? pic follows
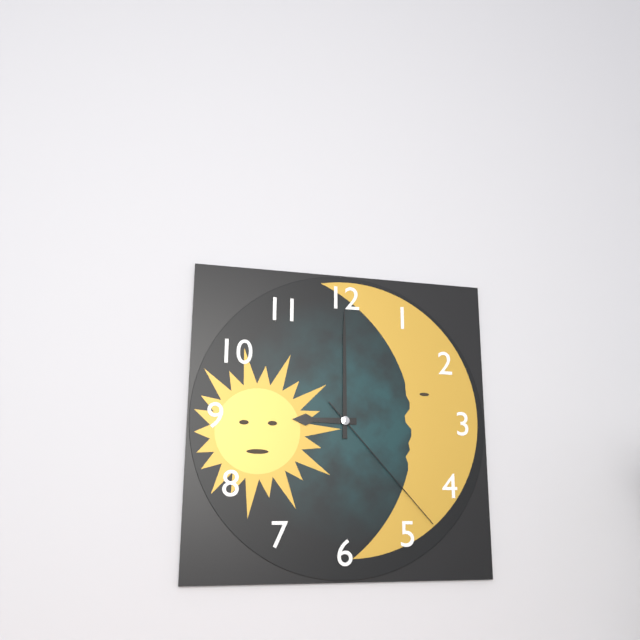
9:00:23
